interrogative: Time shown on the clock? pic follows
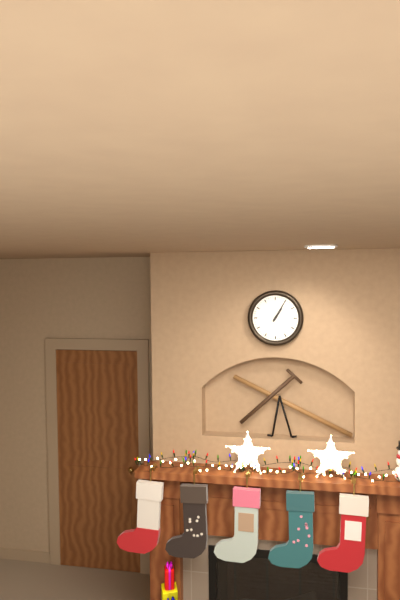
1:05
